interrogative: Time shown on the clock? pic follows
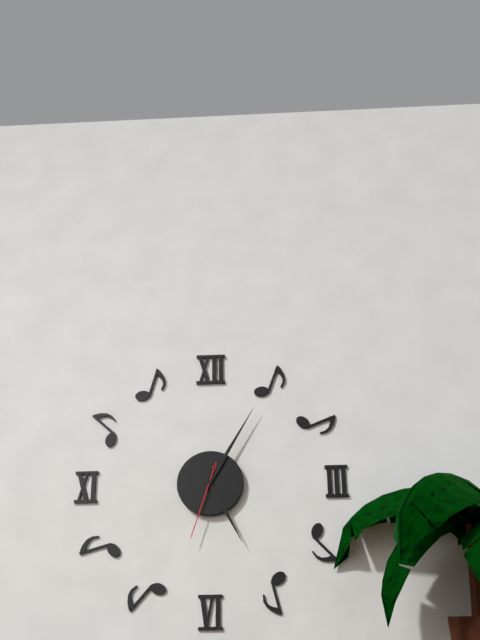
5:05:33
